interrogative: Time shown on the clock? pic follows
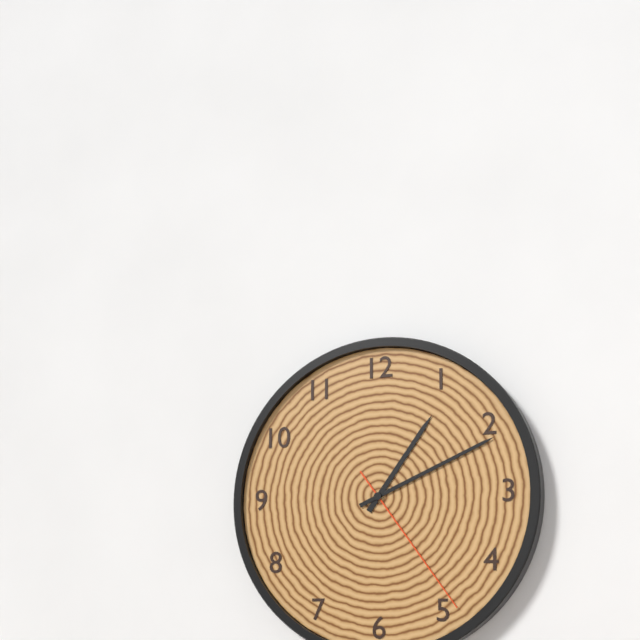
1:11:24
